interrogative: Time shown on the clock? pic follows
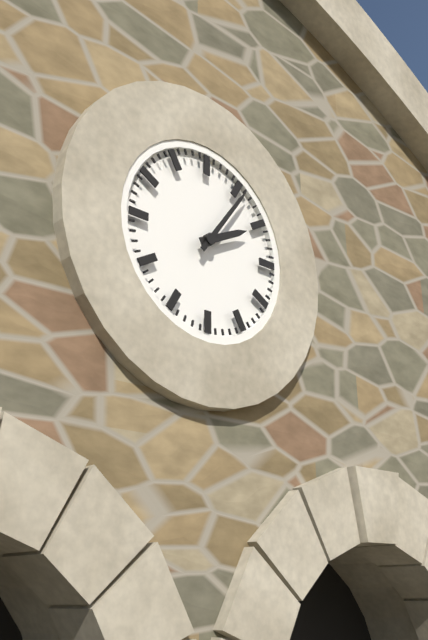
2:06
